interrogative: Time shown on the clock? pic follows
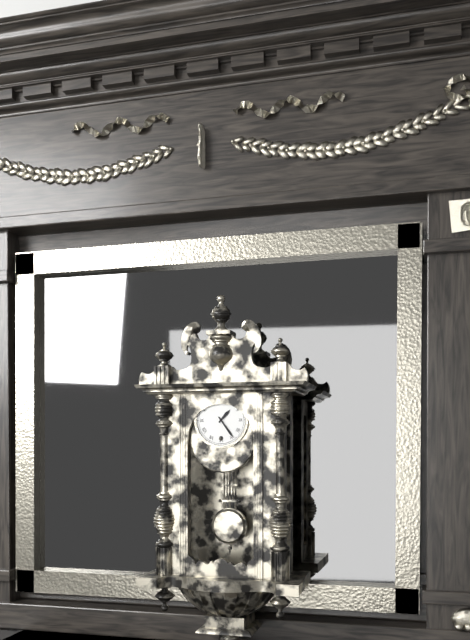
1:24
